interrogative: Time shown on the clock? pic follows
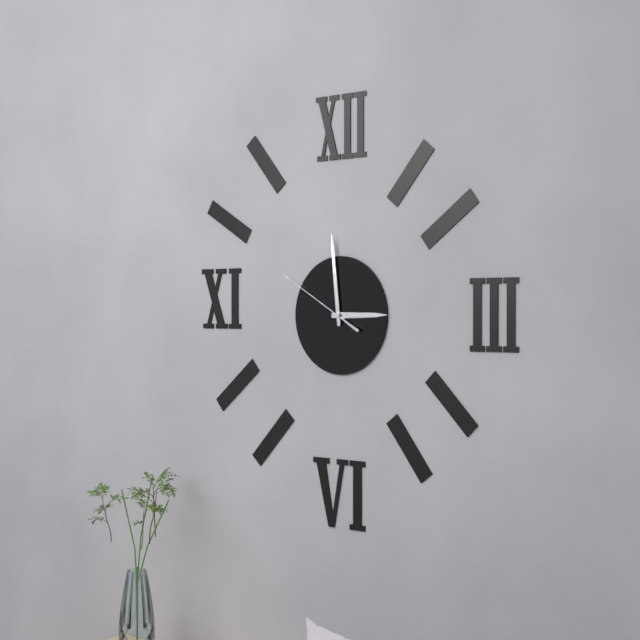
2:59:50
